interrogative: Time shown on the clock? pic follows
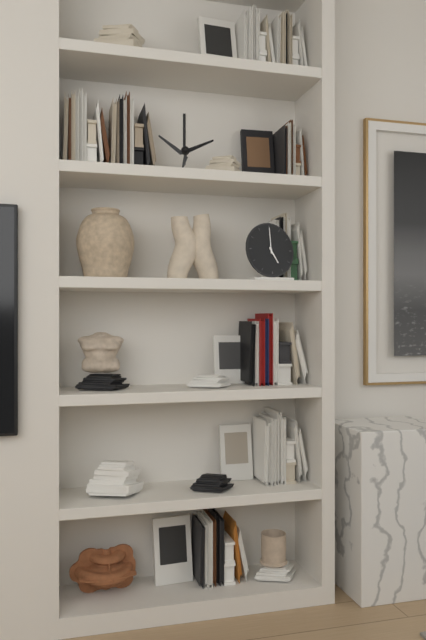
5:00
